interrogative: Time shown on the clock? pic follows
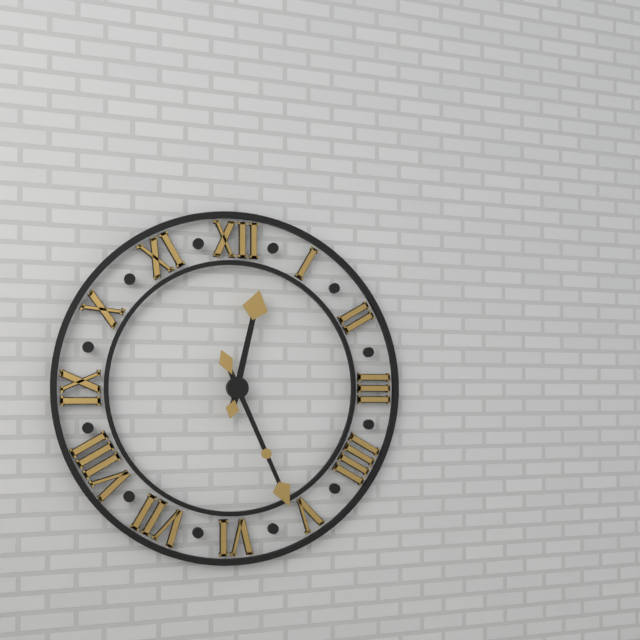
12:26
